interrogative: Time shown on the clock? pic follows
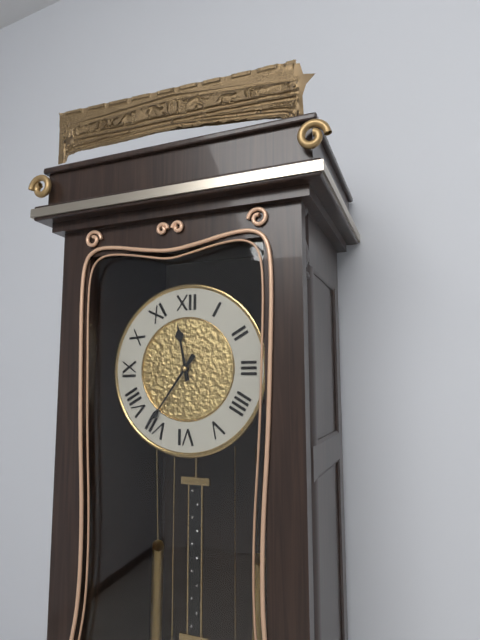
11:36
